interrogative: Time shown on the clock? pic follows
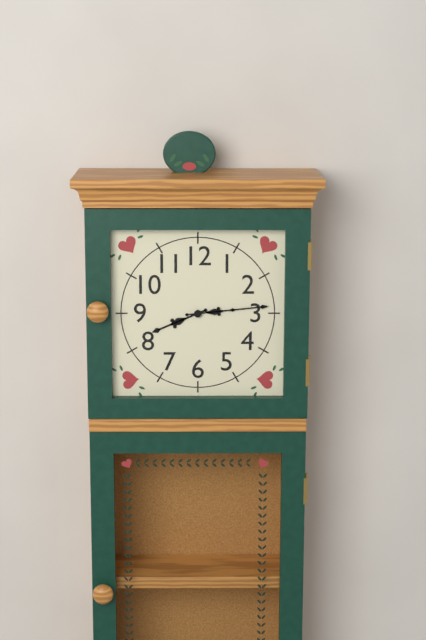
8:14
